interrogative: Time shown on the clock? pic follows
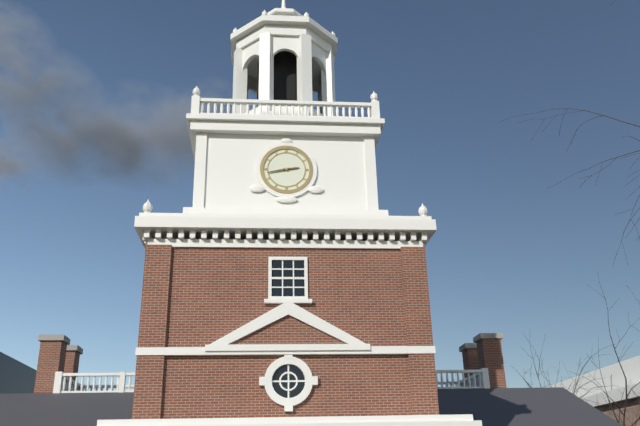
2:43
